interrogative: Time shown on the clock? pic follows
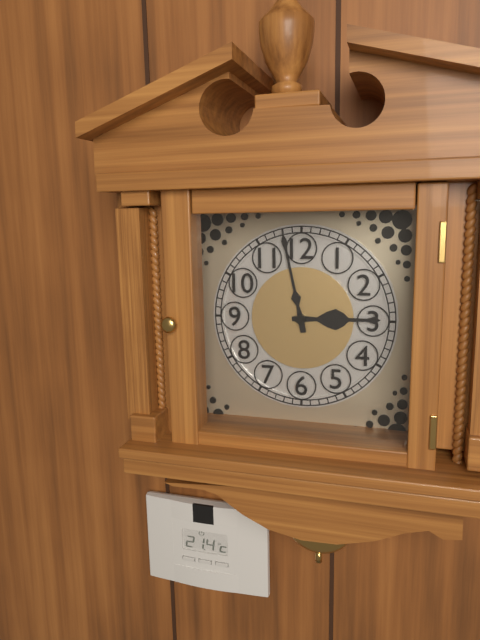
2:58
